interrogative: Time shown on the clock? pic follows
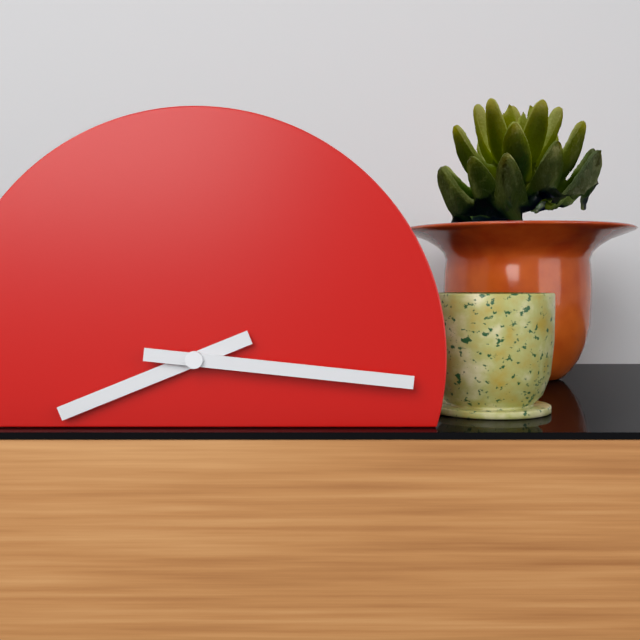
8:16
